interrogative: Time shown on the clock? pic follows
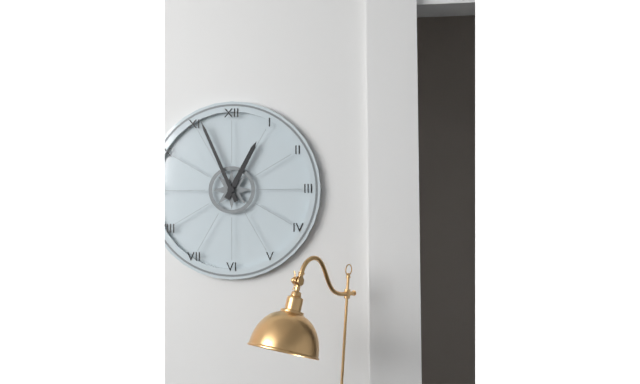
12:56
